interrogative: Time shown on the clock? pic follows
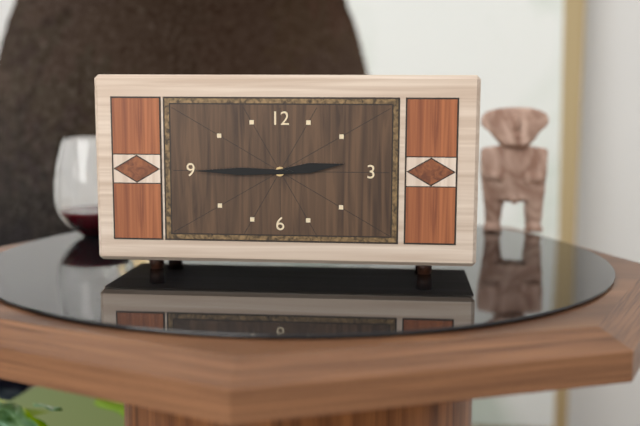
2:45
